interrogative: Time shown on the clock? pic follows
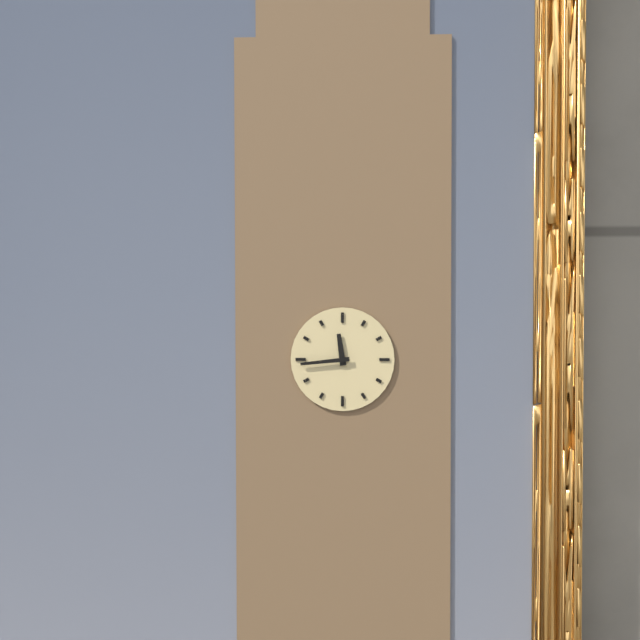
11:44
